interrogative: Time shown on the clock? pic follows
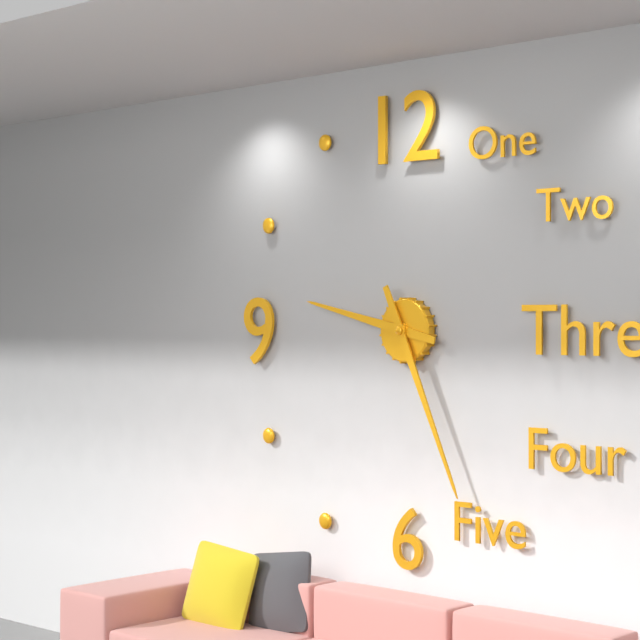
9:26
